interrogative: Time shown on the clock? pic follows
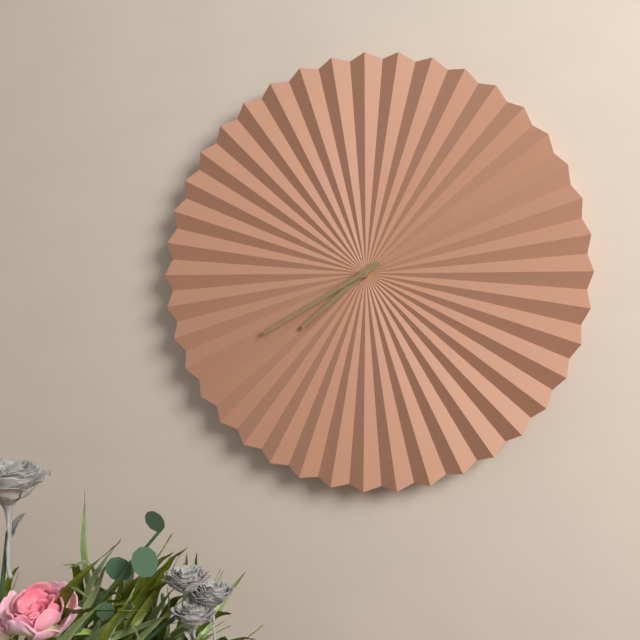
7:40
